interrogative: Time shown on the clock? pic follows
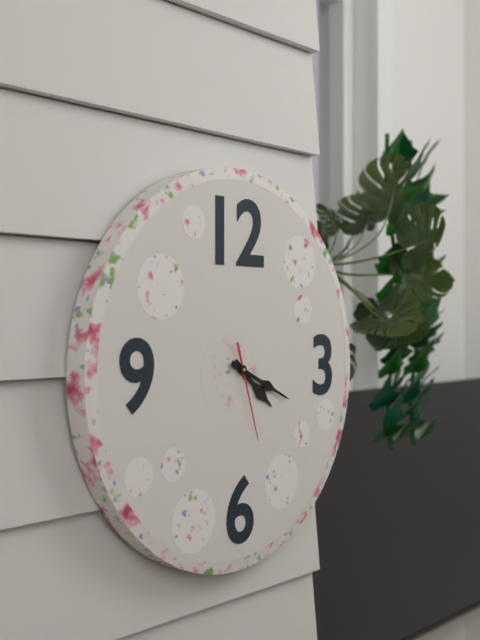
4:19:27
